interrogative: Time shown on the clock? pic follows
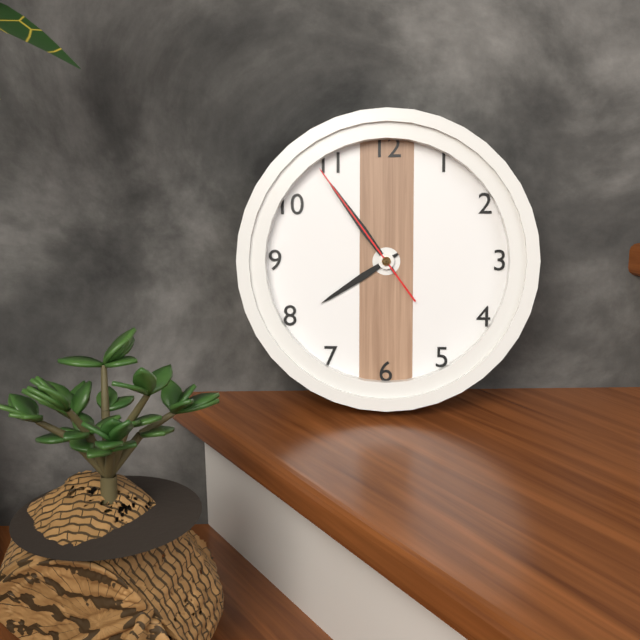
7:54:54
